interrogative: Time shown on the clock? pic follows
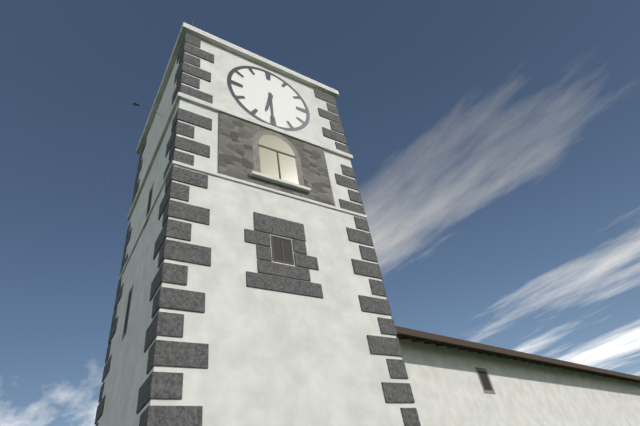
6:30
